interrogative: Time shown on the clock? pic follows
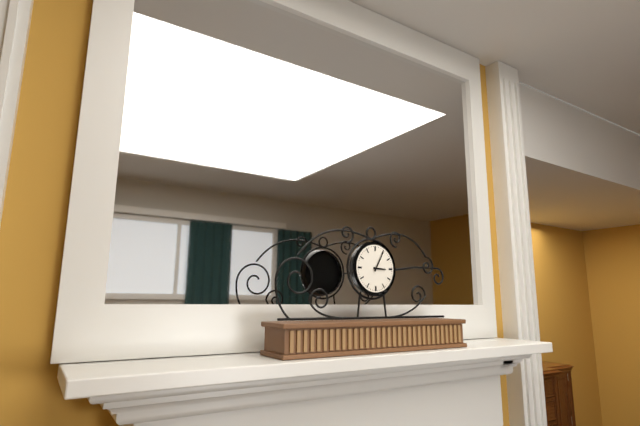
3:05
